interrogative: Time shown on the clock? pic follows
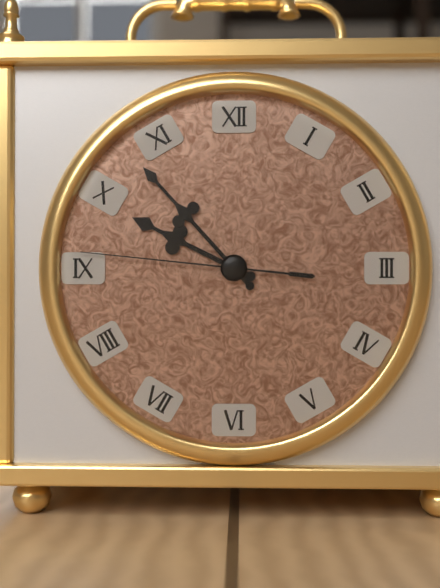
9:53:46
